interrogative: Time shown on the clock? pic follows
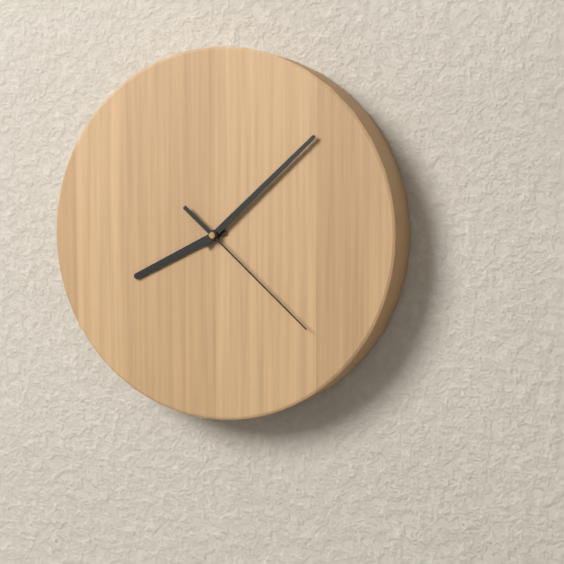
8:08:22
